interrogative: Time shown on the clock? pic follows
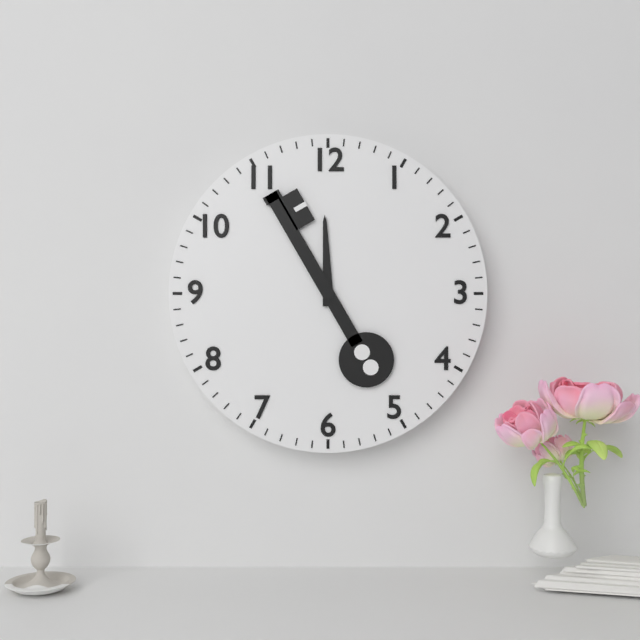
11:55
